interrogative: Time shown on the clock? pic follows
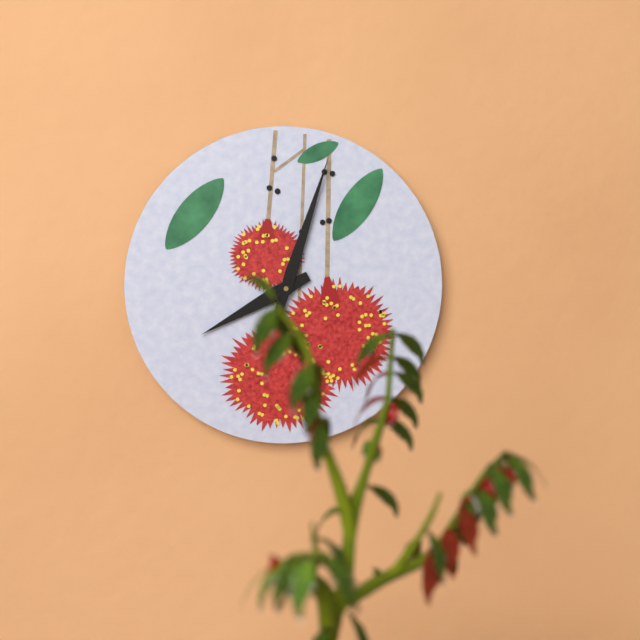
8:03
